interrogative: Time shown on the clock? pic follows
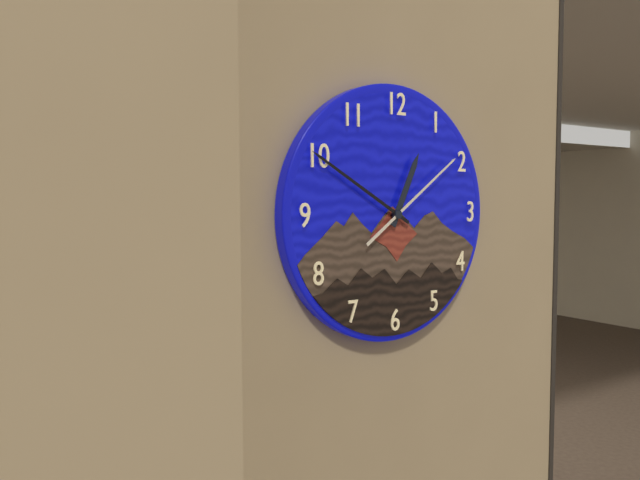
12:50:09
